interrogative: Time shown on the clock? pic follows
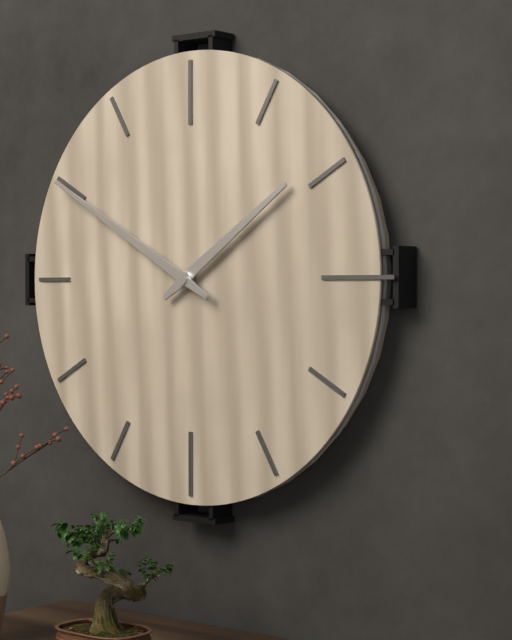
1:50
